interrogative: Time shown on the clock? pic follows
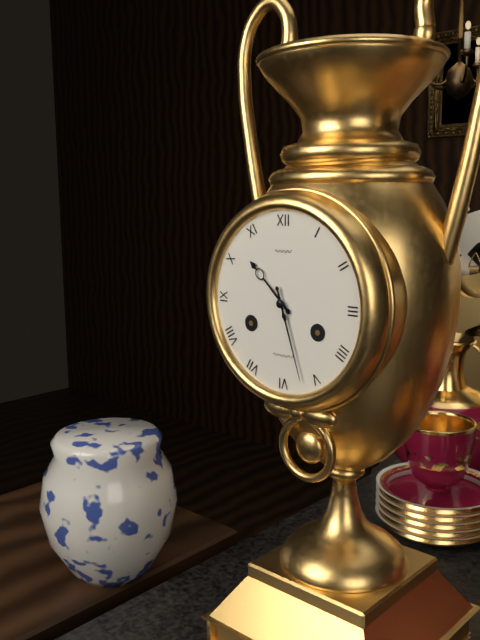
10:27
